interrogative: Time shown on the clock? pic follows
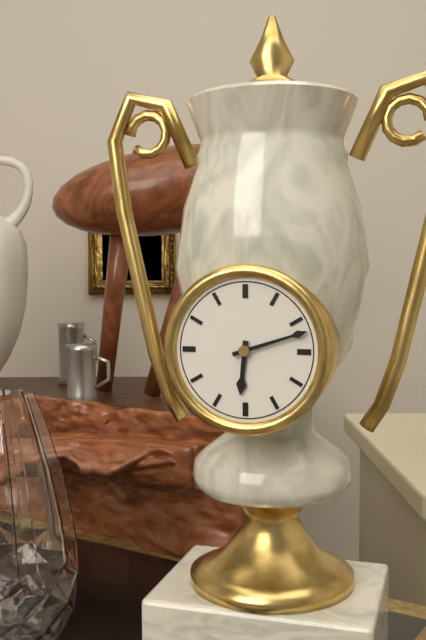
6:12
